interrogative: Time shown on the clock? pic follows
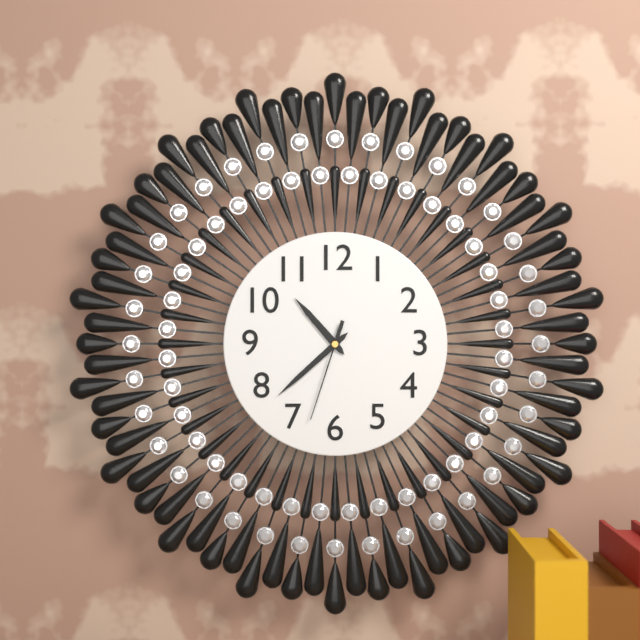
10:38:33
